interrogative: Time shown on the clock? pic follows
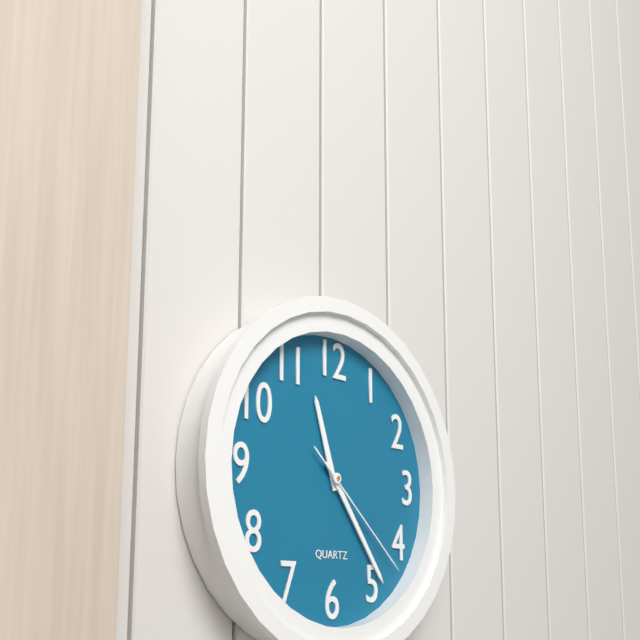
11:24:22
